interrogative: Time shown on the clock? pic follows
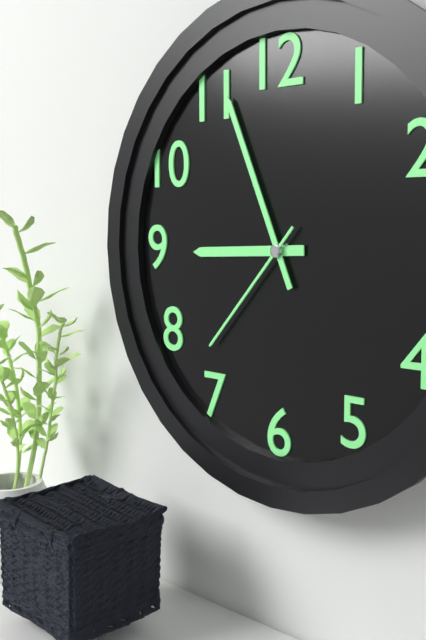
8:56:37
